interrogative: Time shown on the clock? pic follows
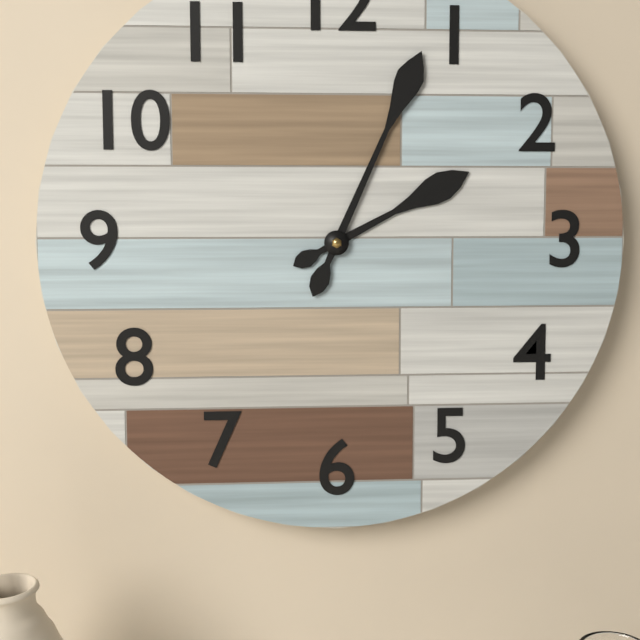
2:04
